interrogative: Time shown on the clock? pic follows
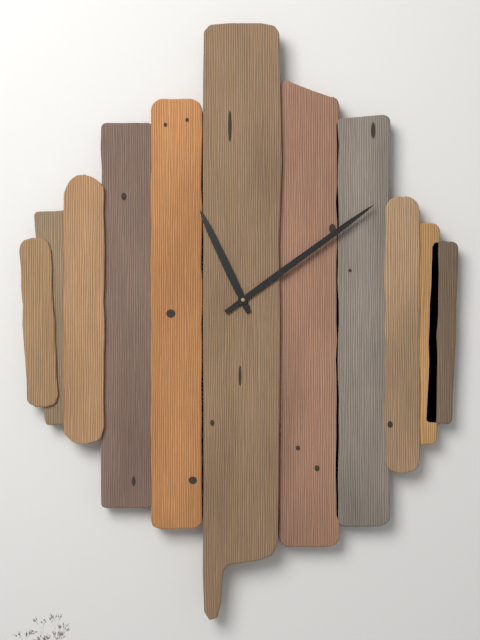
11:09
